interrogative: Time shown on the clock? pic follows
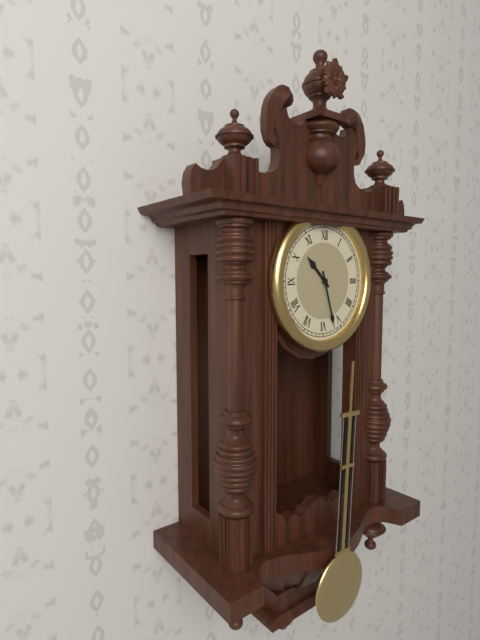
10:27
